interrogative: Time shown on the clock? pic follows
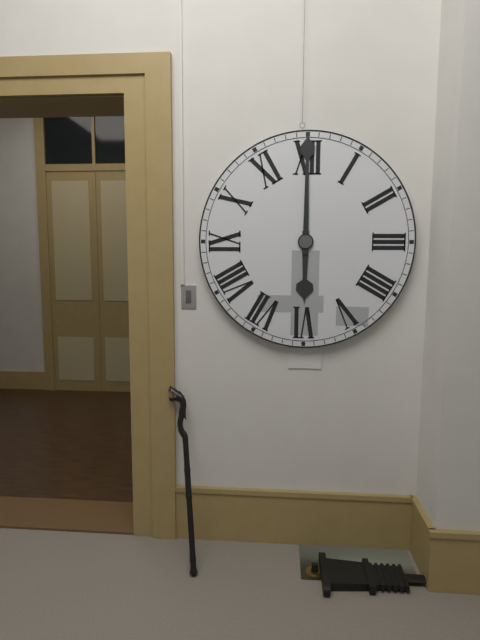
6:00
